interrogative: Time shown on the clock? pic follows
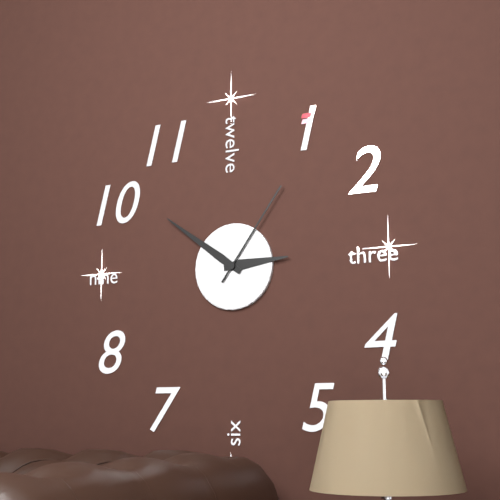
2:51:06
